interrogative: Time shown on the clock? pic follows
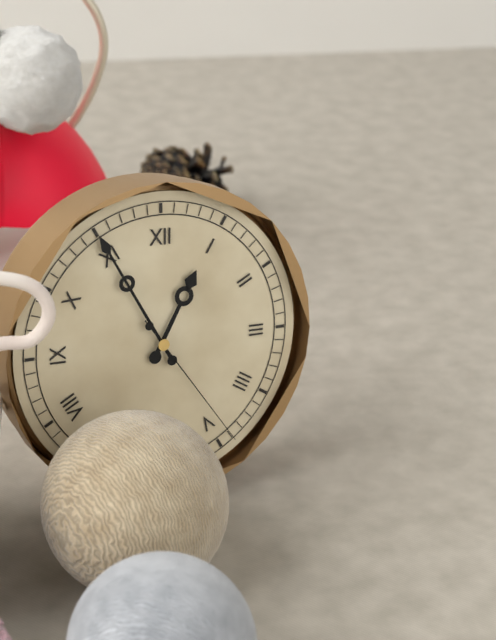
12:55:24
